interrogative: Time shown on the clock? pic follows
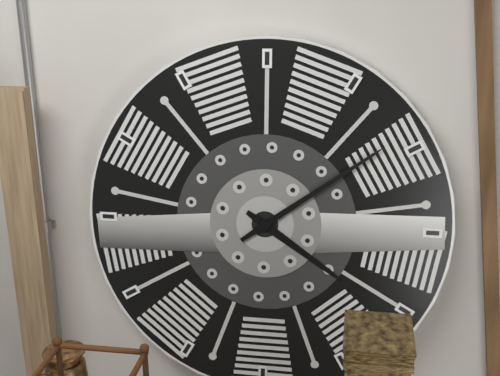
4:09
